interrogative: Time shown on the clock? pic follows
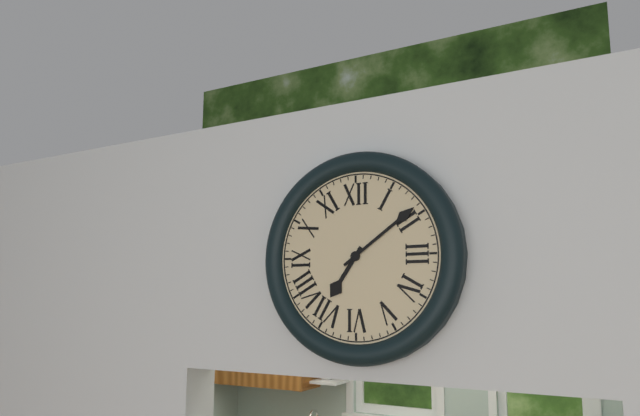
7:09
